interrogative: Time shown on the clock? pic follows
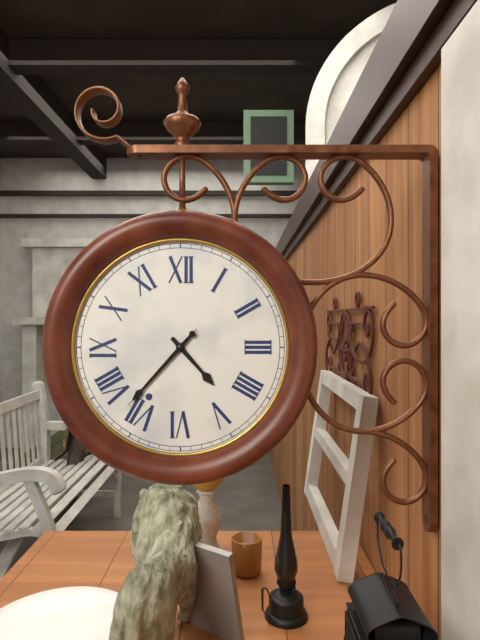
4:37:37
